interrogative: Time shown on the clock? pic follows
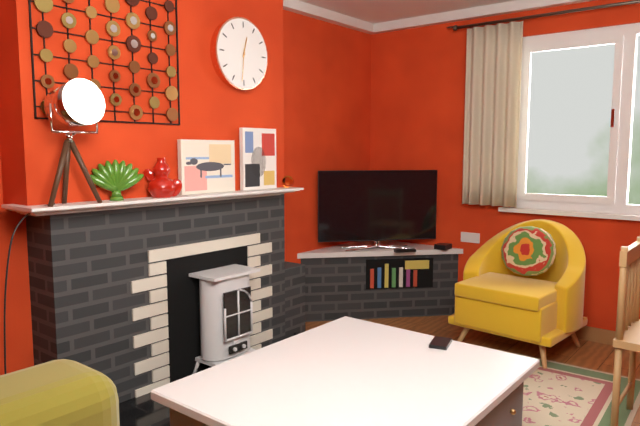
12:31
